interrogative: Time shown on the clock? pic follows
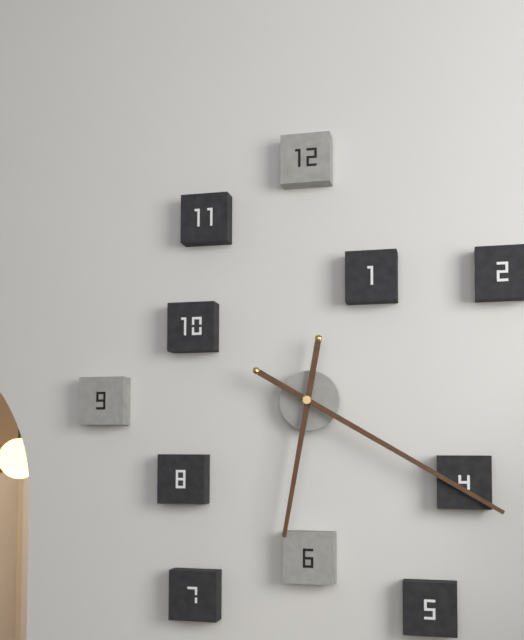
6:20
